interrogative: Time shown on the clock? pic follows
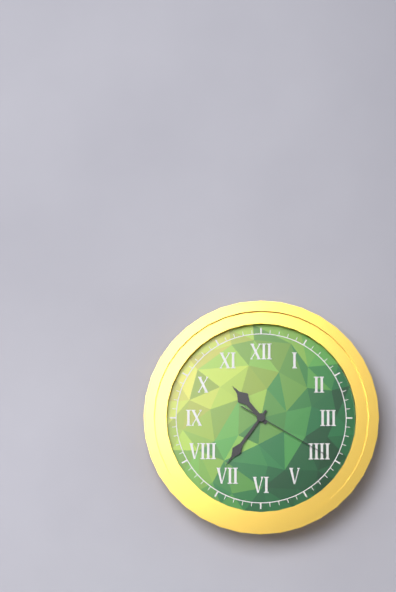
10:36:20
